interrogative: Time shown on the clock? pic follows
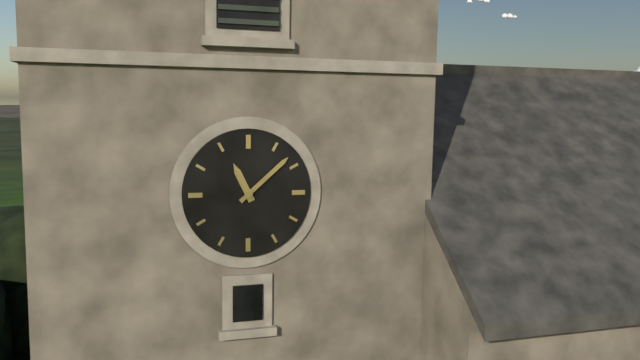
11:08
